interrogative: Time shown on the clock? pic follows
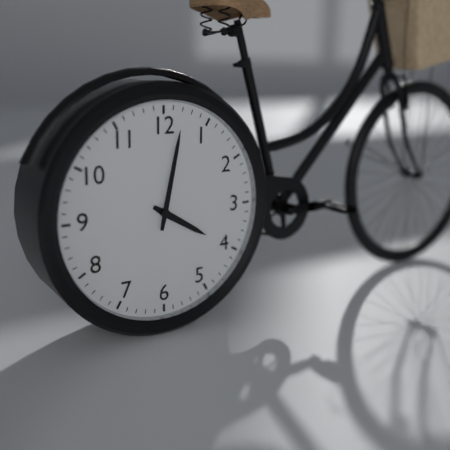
4:02
